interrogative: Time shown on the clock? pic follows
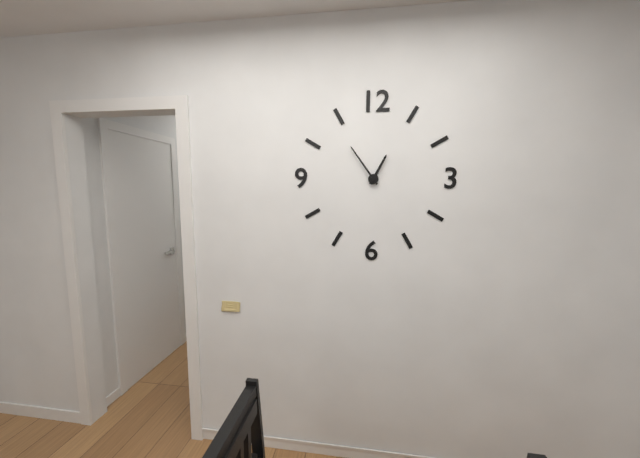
12:54
